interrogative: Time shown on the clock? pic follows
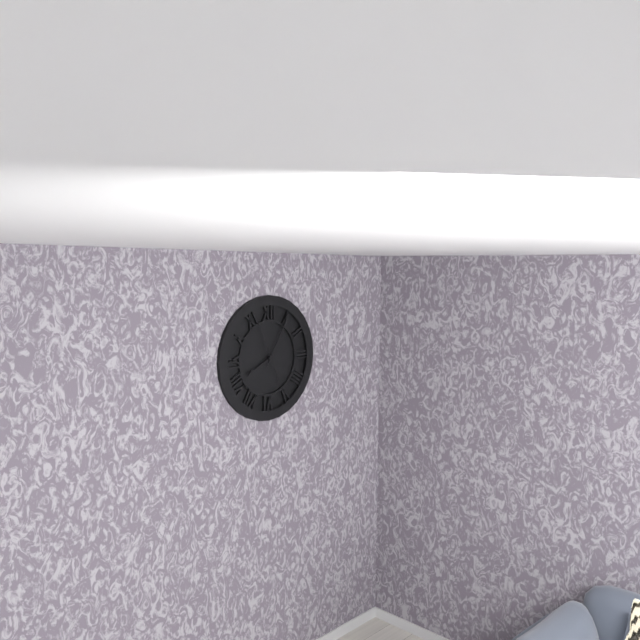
8:05:26
